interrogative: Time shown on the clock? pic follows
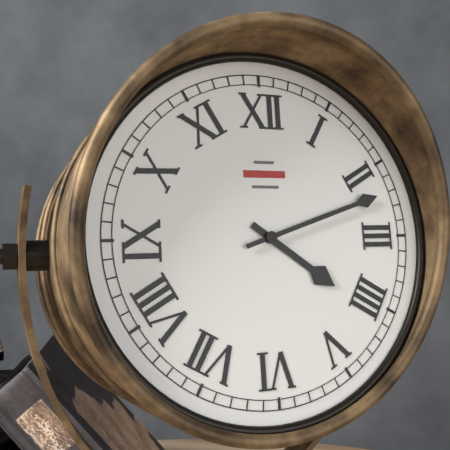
4:12
